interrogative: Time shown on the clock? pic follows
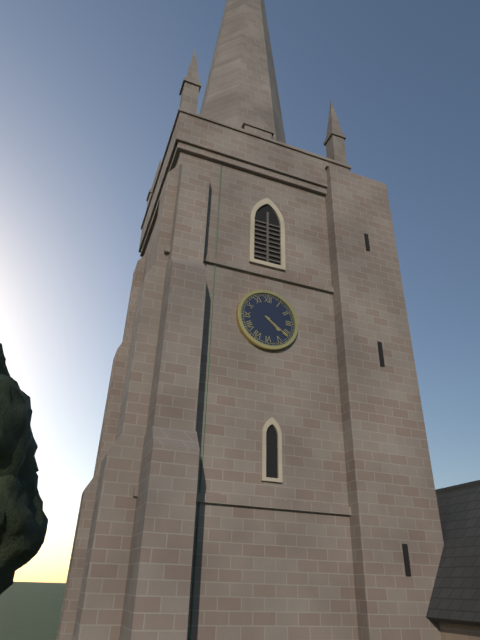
4:21
